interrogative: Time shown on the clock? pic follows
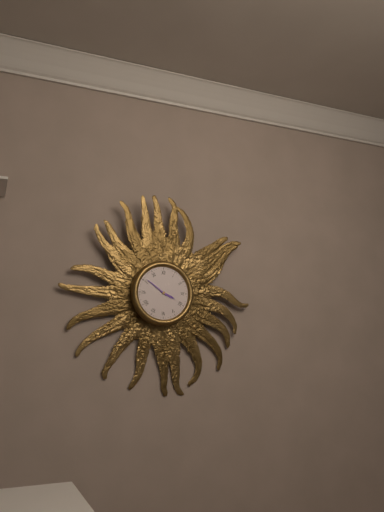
3:51
